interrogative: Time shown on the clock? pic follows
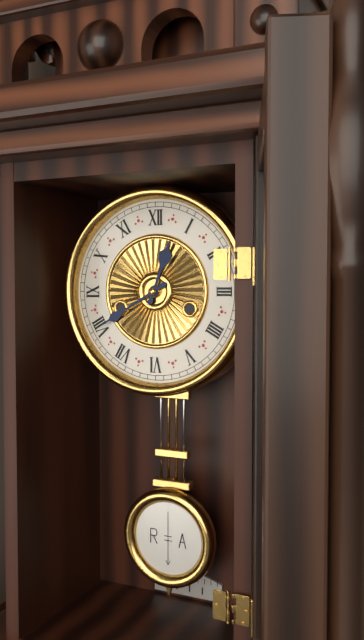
12:40
